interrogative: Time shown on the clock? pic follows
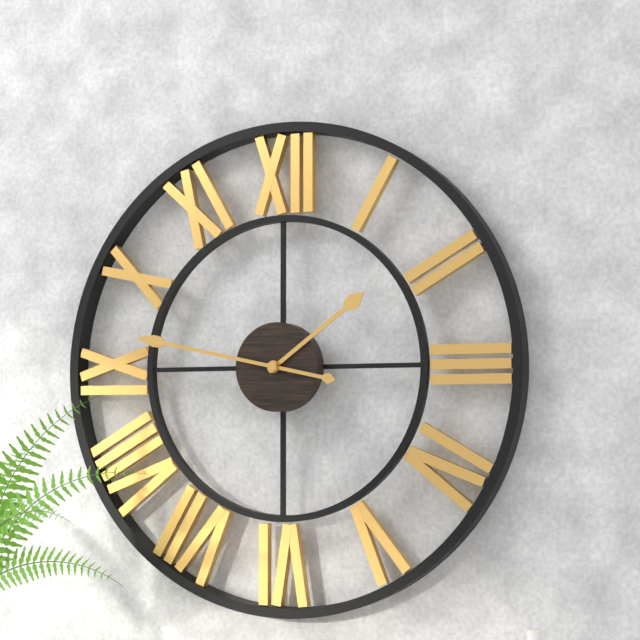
1:47
